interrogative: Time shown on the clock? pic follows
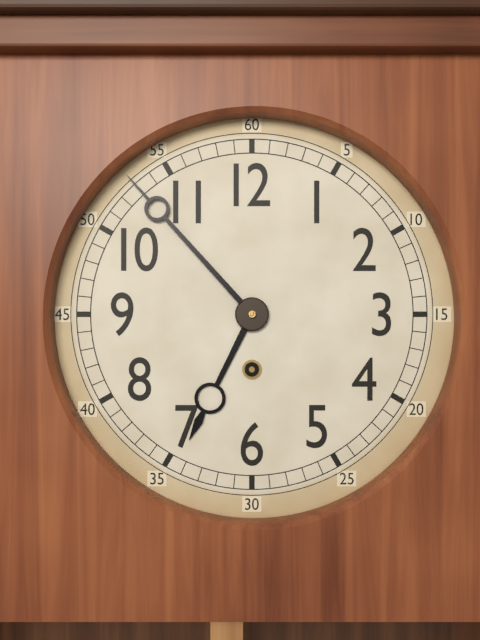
6:53
